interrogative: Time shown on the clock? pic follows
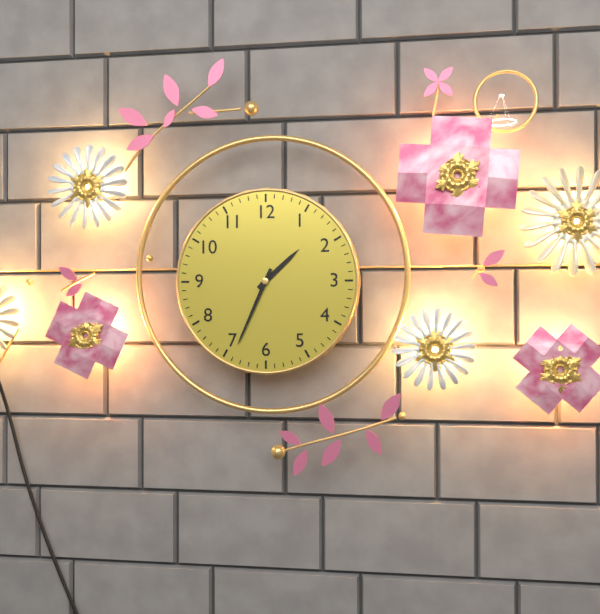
1:34
